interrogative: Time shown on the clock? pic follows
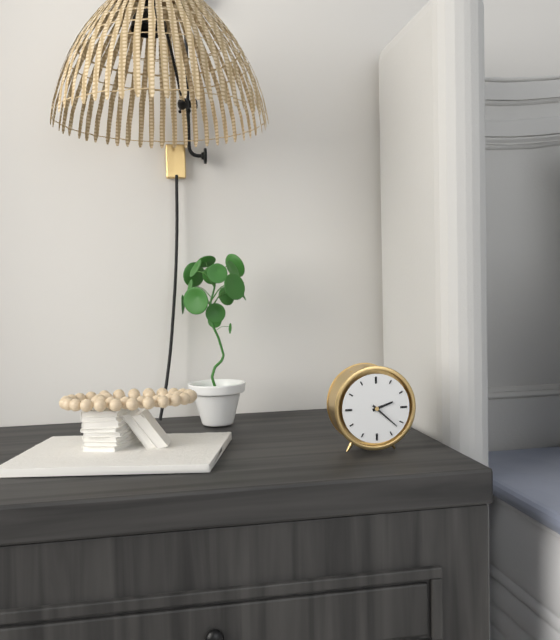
2:22
